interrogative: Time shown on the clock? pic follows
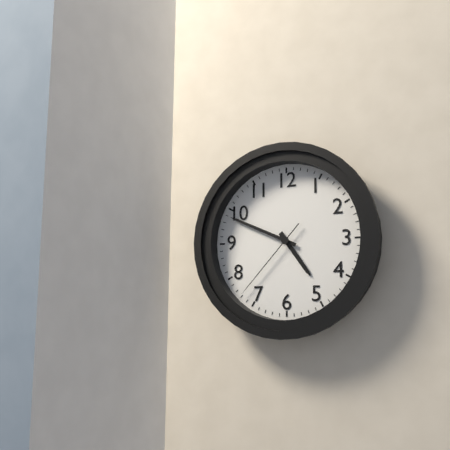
4:49:37
